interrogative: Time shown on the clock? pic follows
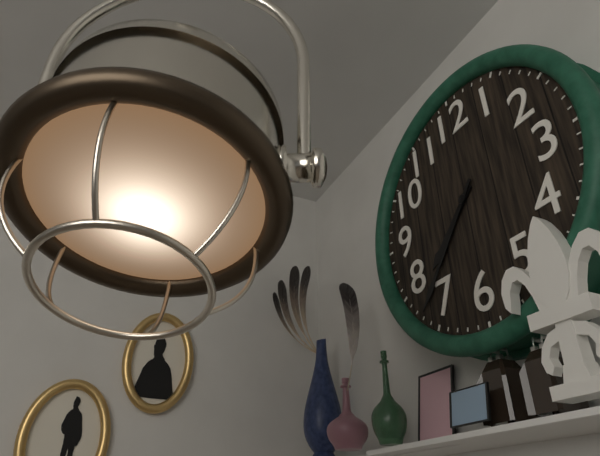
7:37
